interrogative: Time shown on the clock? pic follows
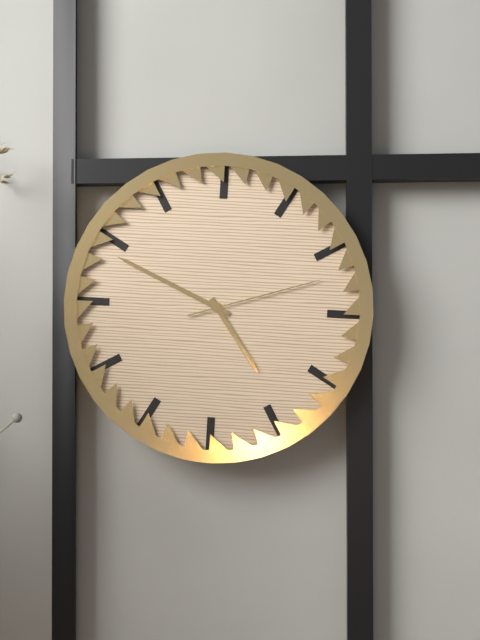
4:49:12
